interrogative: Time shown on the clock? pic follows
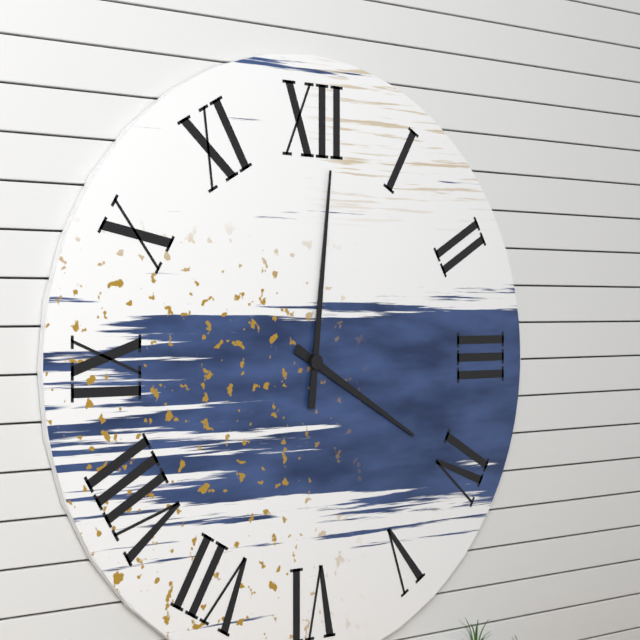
4:01
